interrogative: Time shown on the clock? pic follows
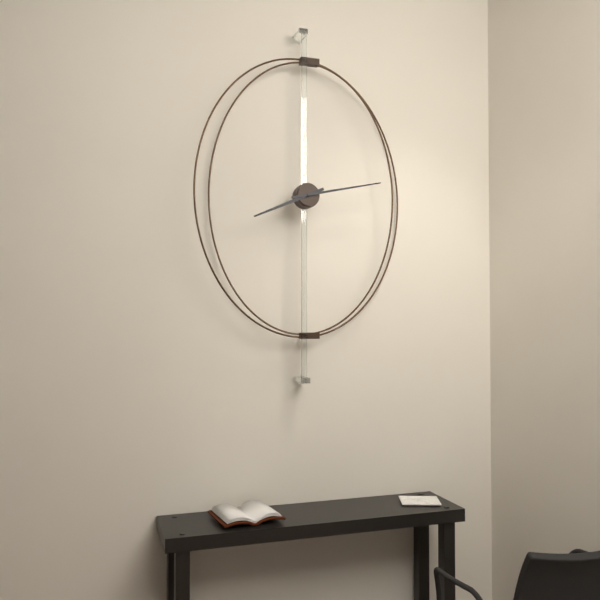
8:13
